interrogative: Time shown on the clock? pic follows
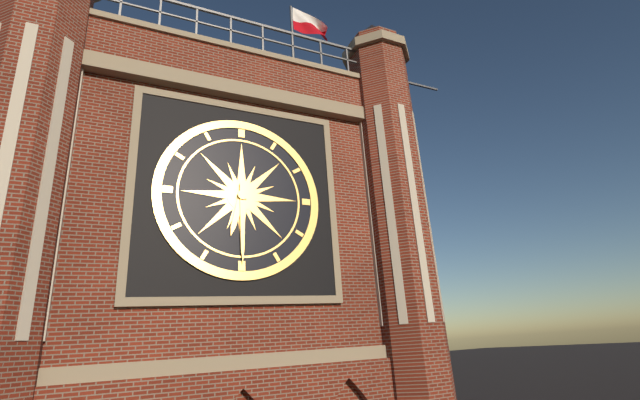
6:30
